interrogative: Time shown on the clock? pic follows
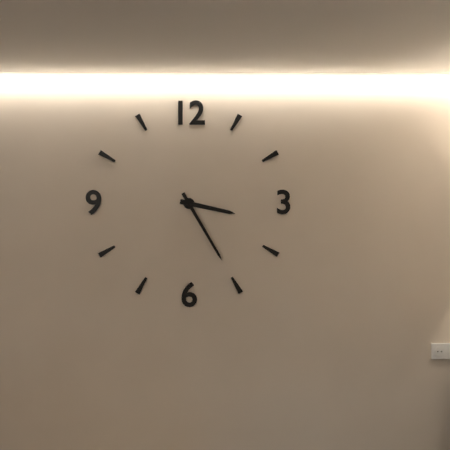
3:25
